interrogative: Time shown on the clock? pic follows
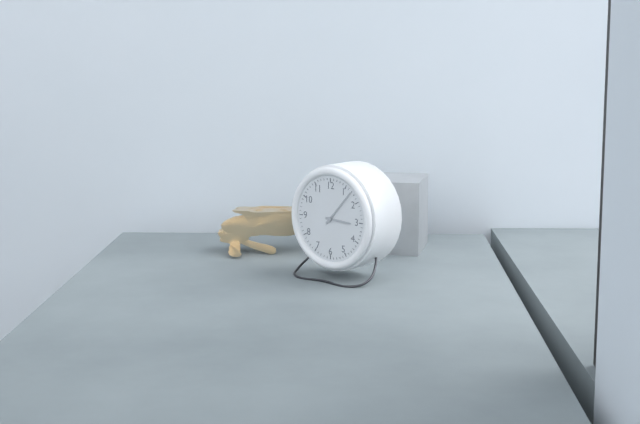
3:07
